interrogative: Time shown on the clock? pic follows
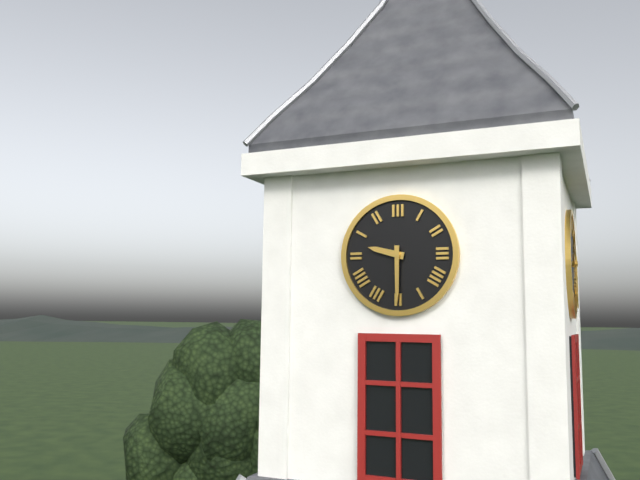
9:30
